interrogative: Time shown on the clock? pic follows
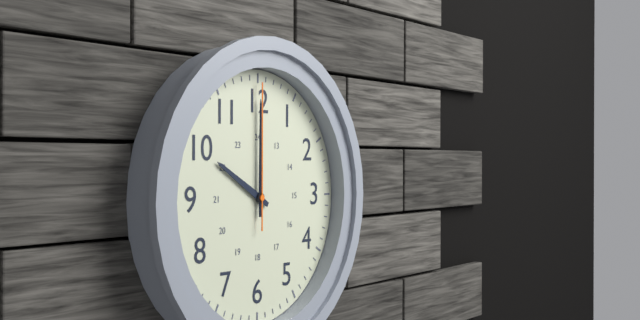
10:00:00
